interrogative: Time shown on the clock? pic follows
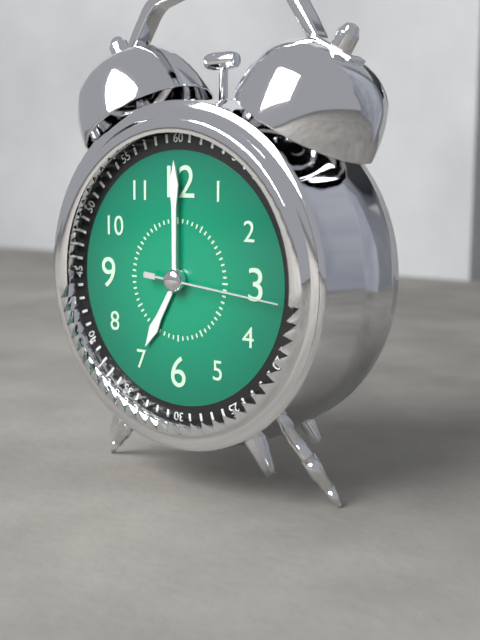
7:00:16
